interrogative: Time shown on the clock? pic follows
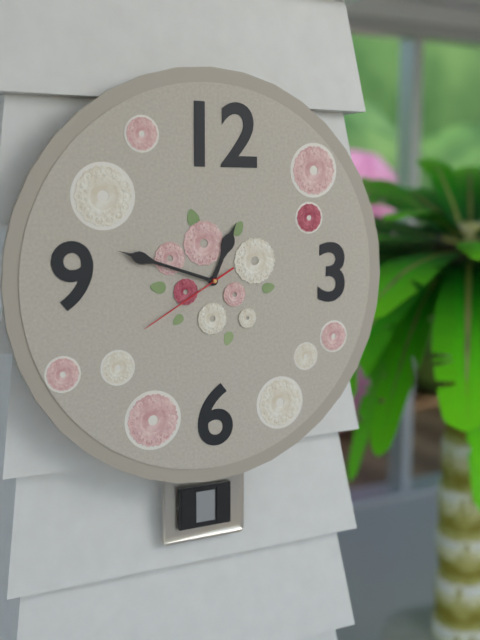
12:48:40
